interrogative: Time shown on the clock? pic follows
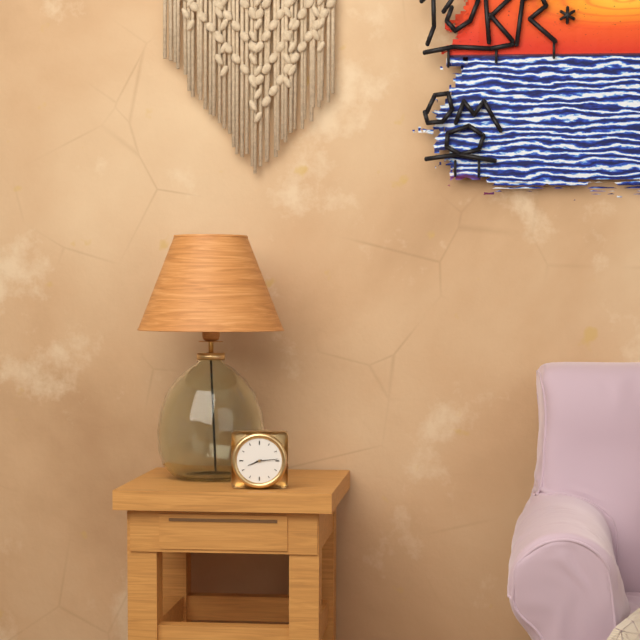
8:14
